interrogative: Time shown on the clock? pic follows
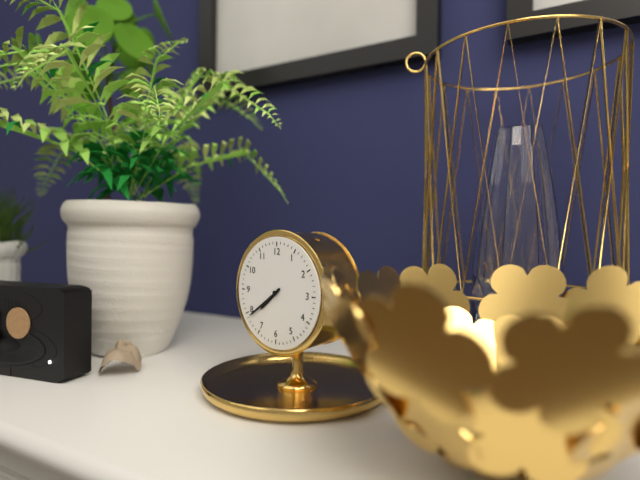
7:39
